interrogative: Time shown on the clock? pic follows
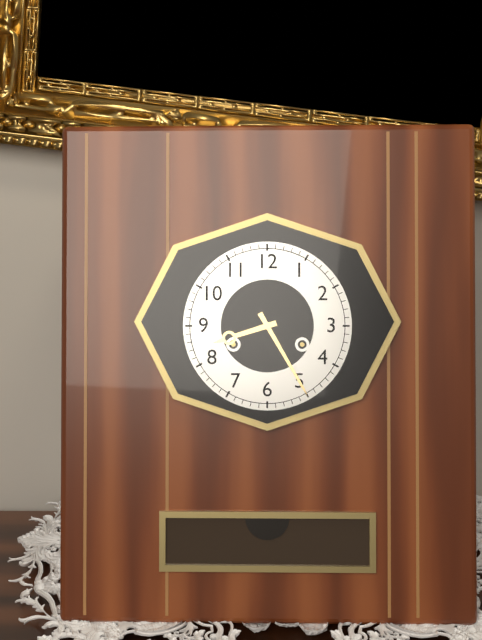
8:25
